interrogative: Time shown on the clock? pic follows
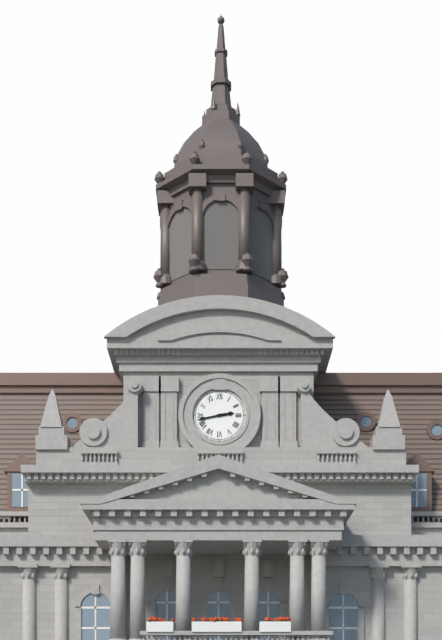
2:43
